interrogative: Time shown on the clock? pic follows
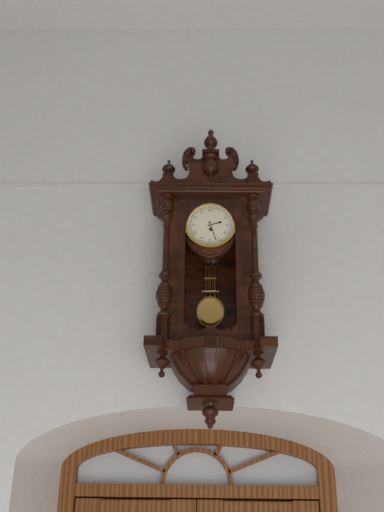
2:27
